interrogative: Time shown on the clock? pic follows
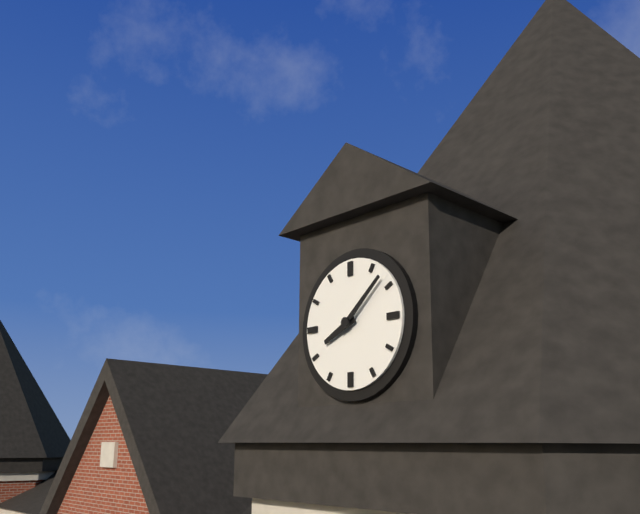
8:08
